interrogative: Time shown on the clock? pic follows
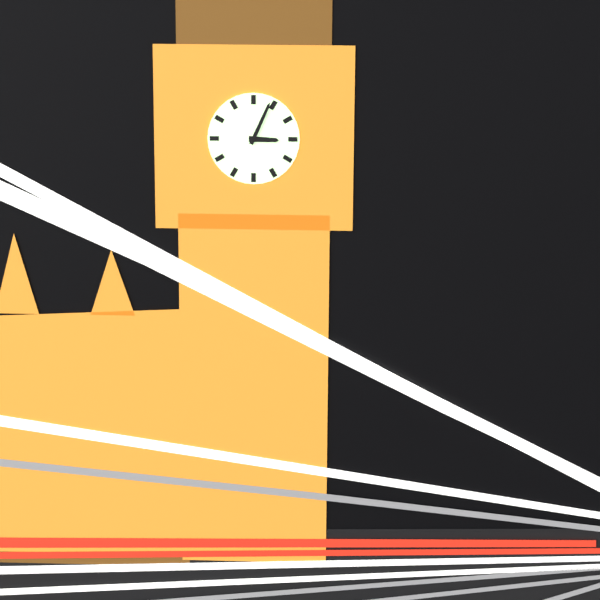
3:04
